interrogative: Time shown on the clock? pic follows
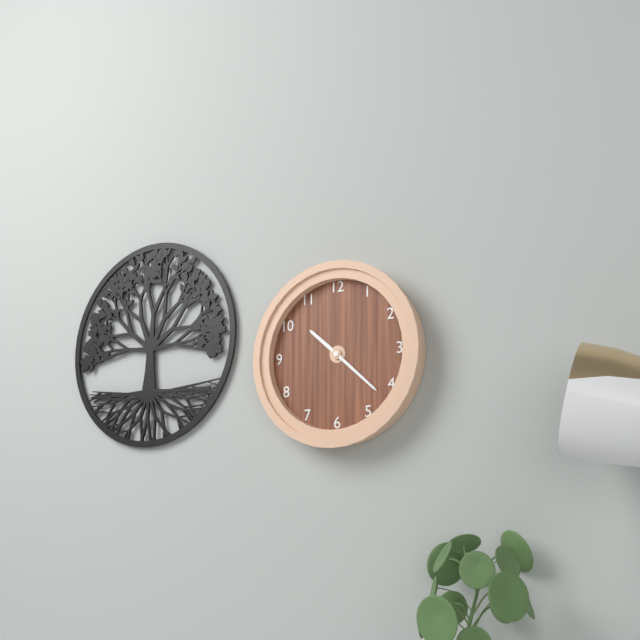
10:22
